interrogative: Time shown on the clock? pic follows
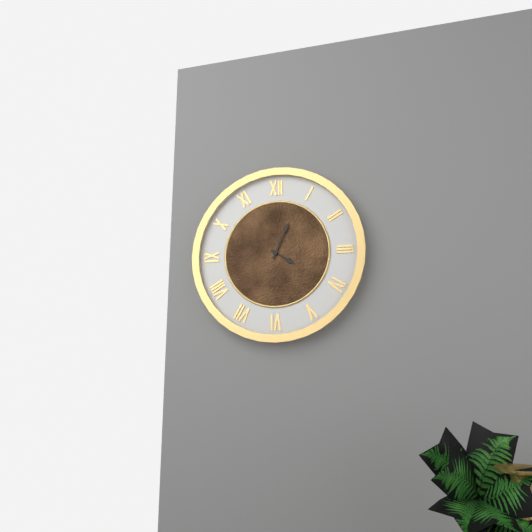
4:04
